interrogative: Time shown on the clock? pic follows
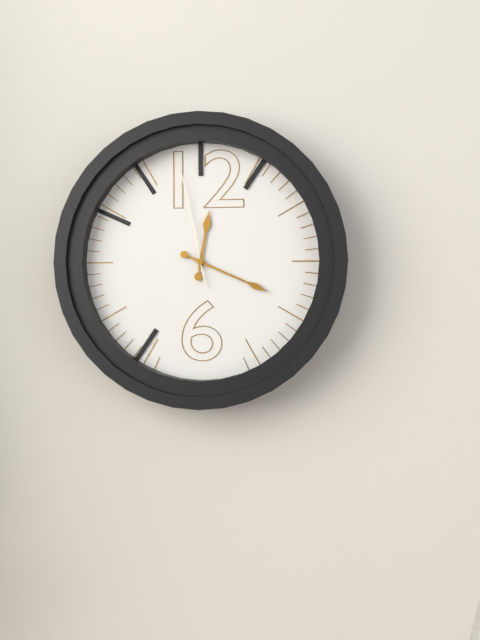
12:19:58
